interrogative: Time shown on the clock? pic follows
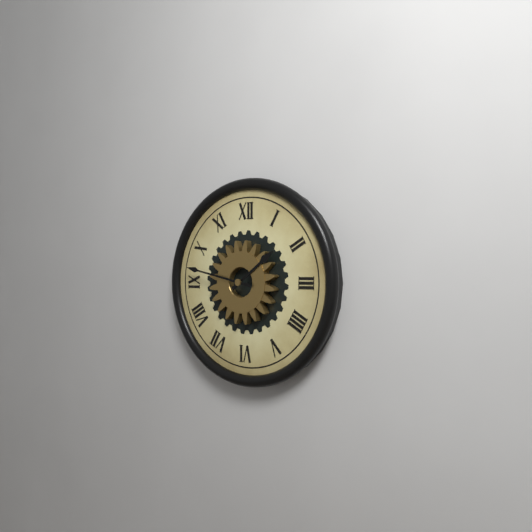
1:47
